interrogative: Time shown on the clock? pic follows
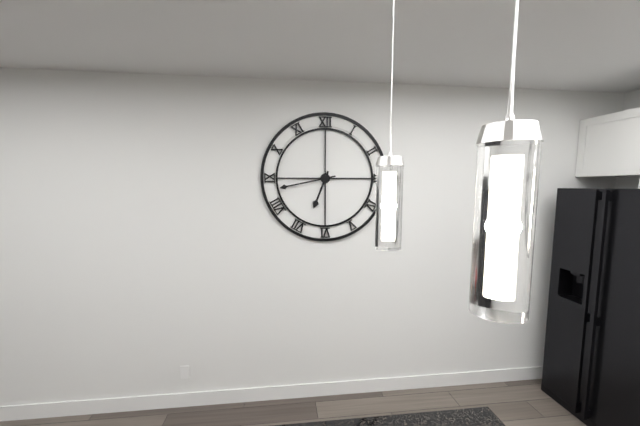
6:43
